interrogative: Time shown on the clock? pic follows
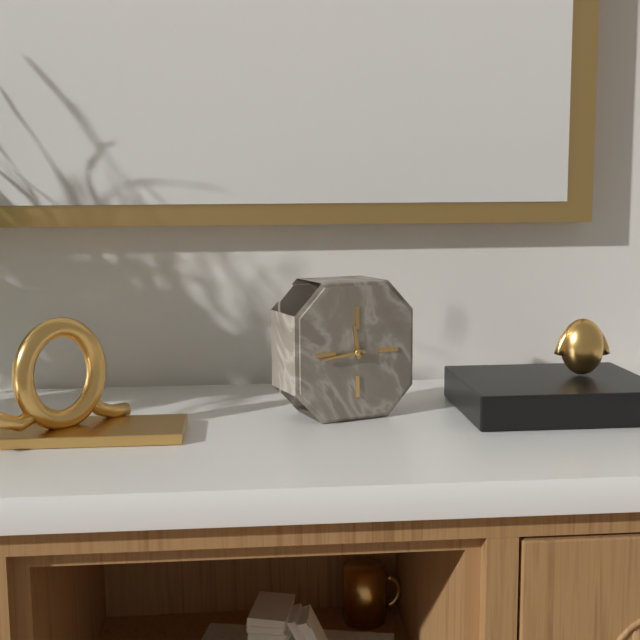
11:44
